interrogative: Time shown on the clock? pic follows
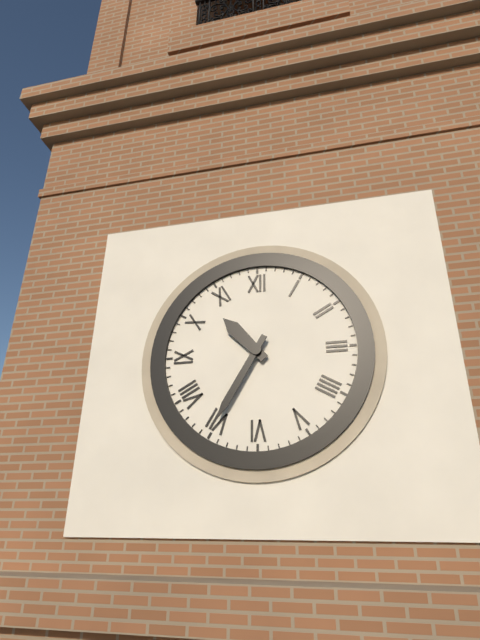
10:35
